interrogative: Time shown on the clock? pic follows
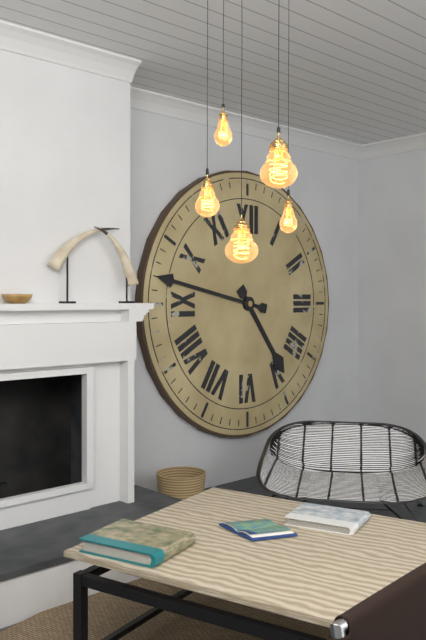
4:47
